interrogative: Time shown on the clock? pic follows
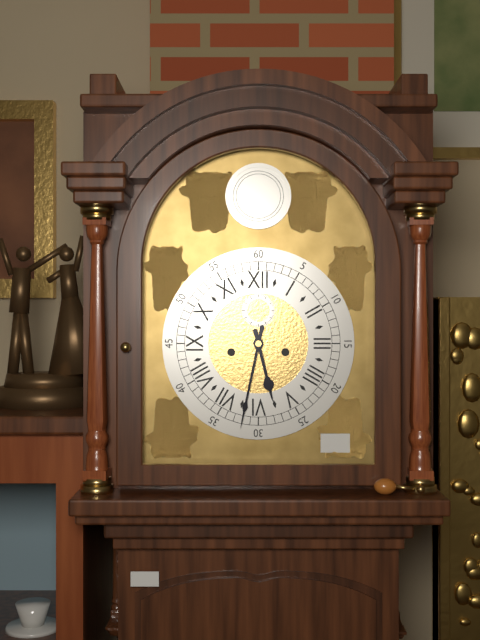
5:32
